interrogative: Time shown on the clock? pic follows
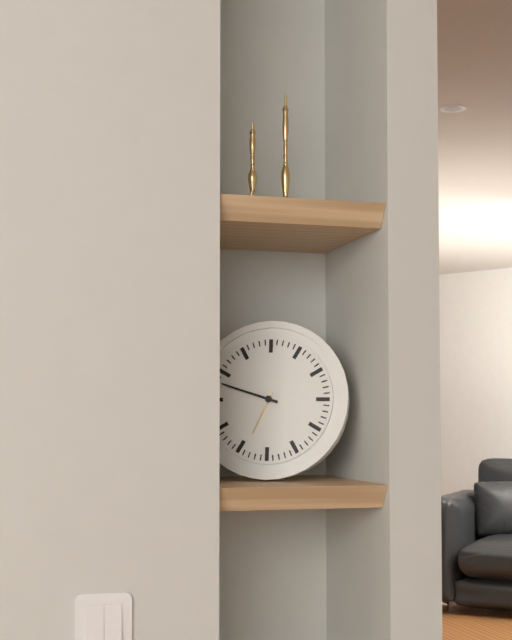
6:48
